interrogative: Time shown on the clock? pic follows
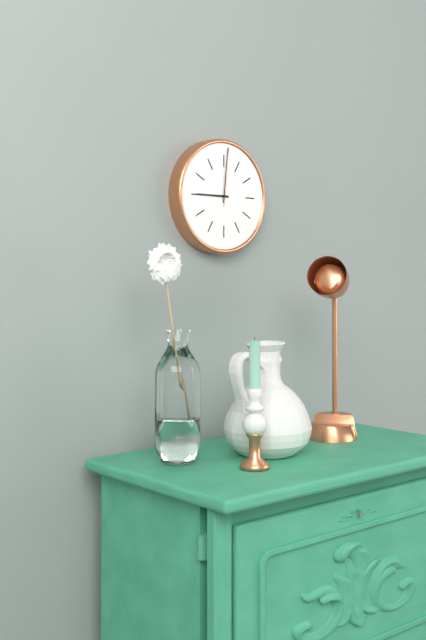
9:01:01
